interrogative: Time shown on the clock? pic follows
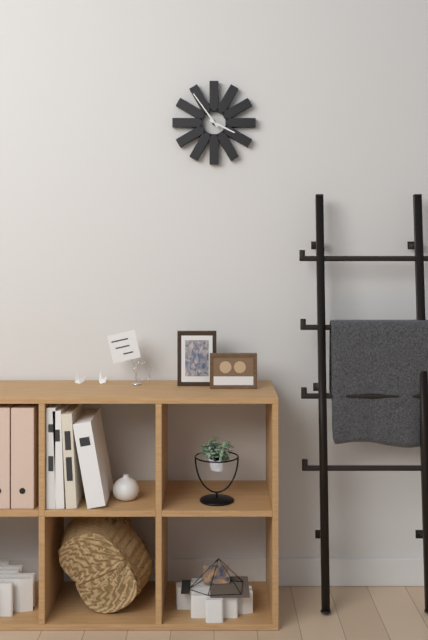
3:54
